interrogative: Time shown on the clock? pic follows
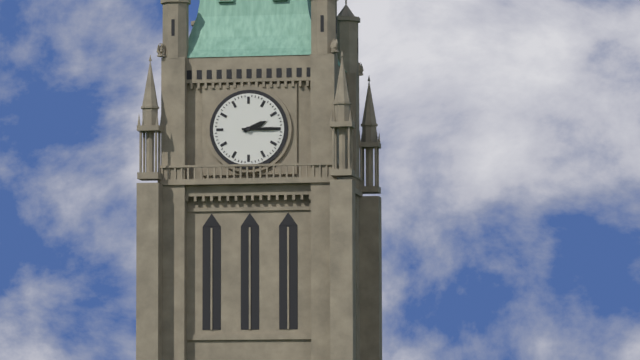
2:15
